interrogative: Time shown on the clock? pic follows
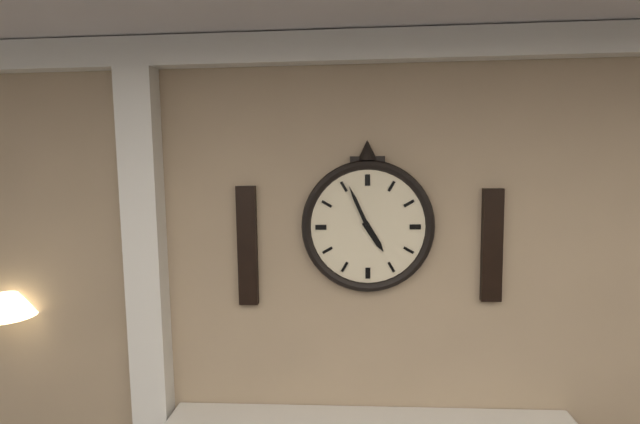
4:56
